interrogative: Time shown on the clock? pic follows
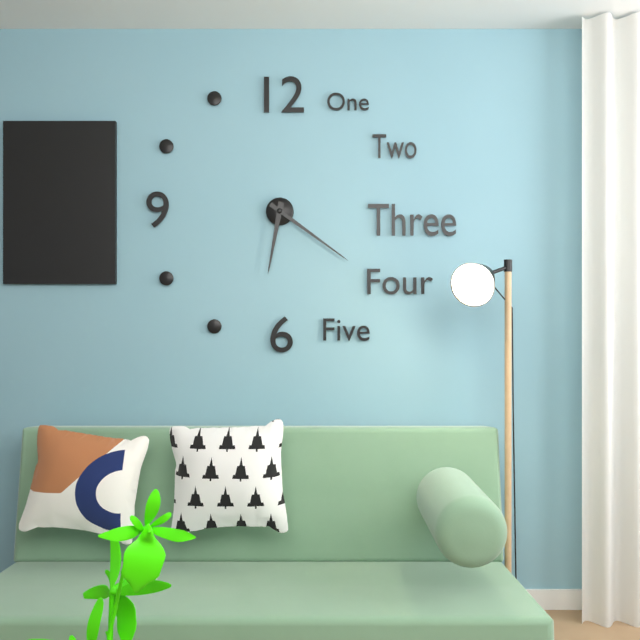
6:21
